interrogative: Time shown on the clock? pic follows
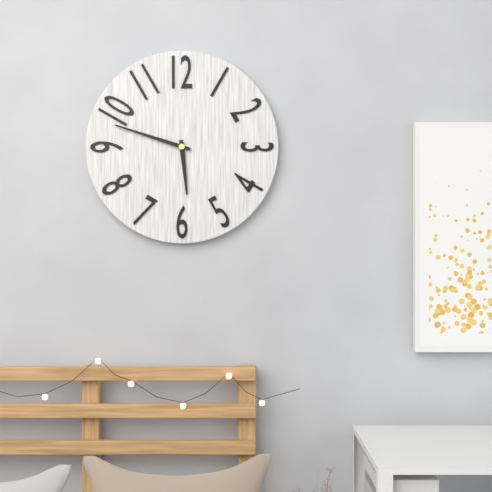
5:48
